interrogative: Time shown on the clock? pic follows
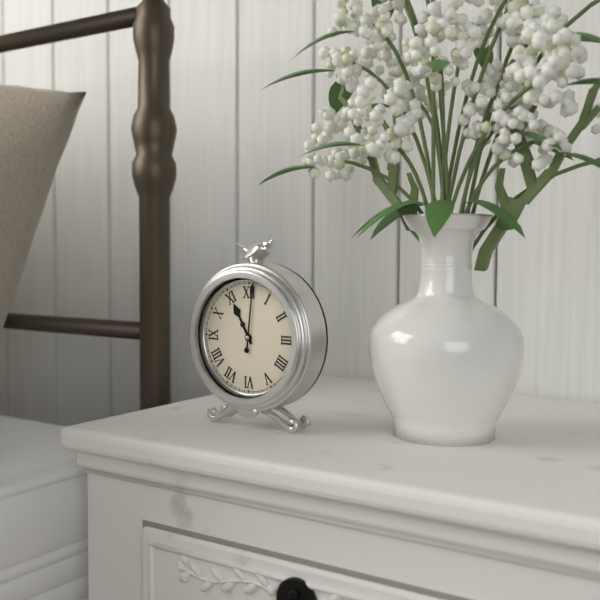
11:01
